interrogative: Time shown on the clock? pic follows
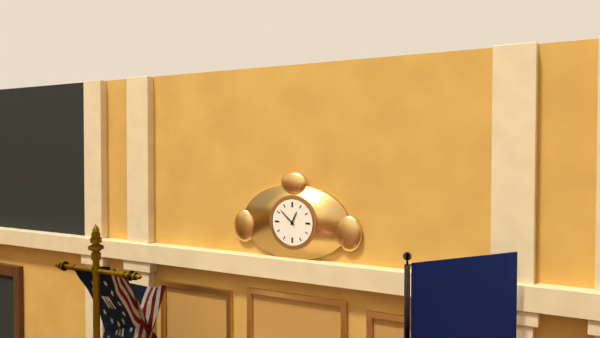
12:52
